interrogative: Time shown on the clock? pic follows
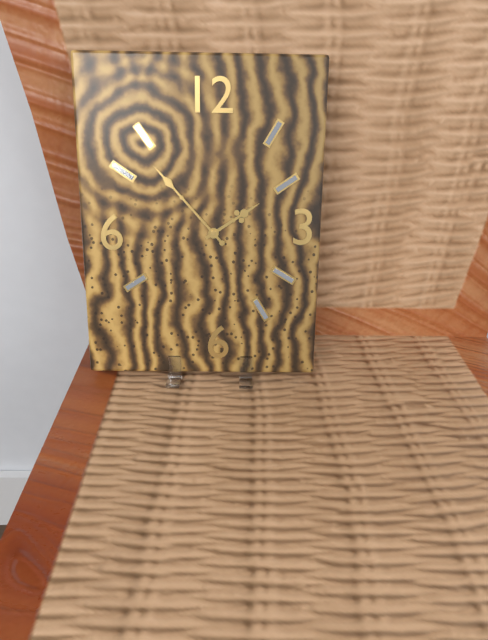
1:53
